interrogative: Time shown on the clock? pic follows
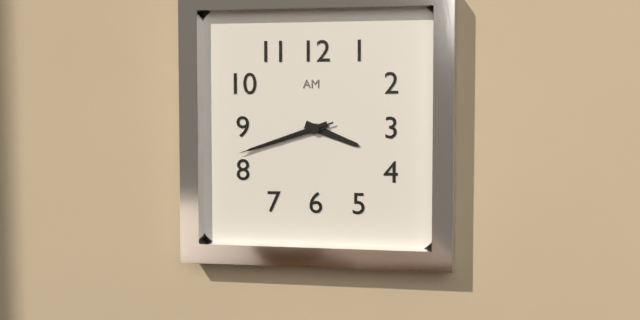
3:42:42
